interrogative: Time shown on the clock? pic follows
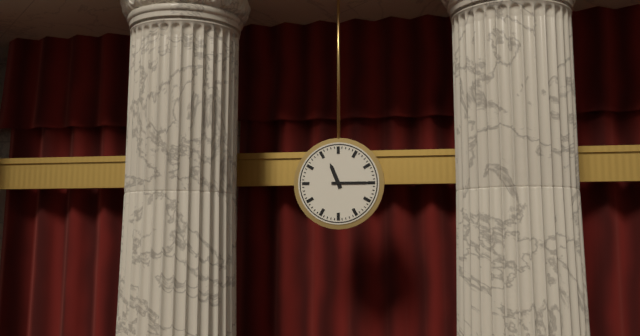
11:15
